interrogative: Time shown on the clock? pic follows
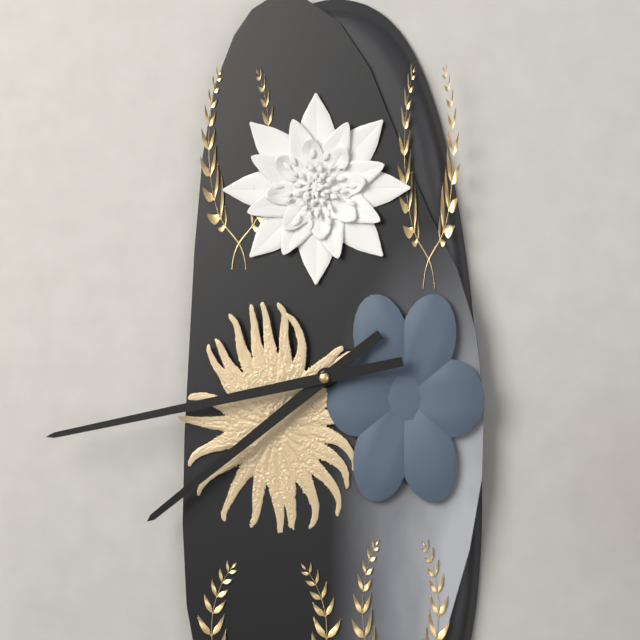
7:43
